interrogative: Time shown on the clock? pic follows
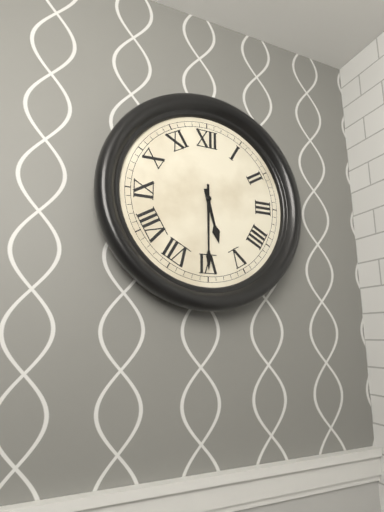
5:30
